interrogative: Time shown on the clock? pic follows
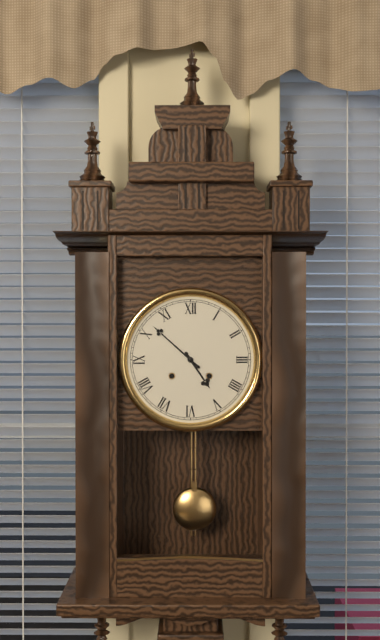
4:52
